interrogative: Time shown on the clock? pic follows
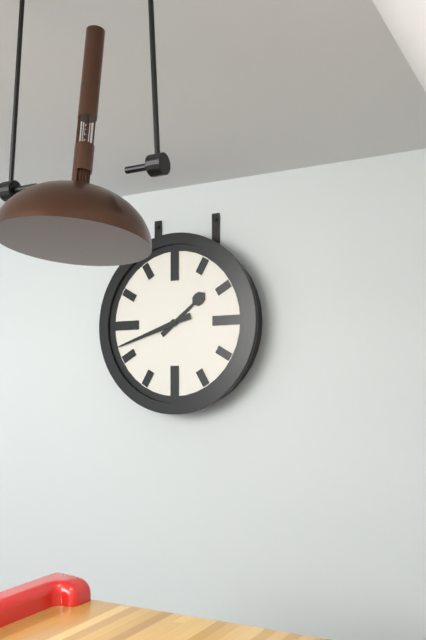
1:42
